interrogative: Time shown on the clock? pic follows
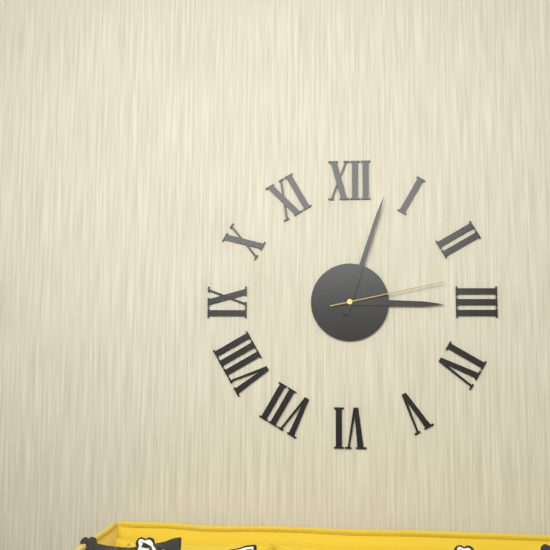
3:03:13
